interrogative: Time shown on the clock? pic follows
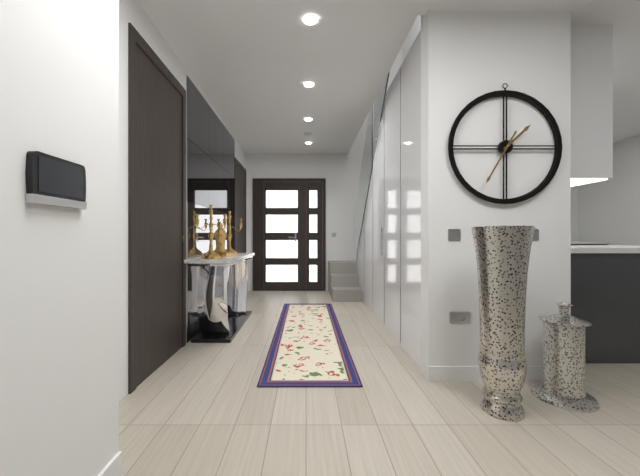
1:35
